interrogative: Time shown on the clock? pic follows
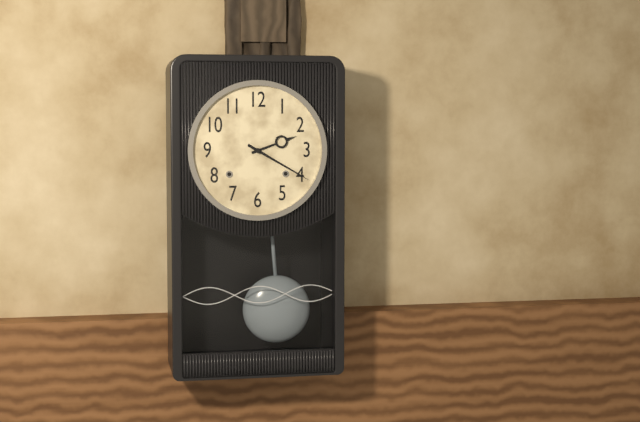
2:20
